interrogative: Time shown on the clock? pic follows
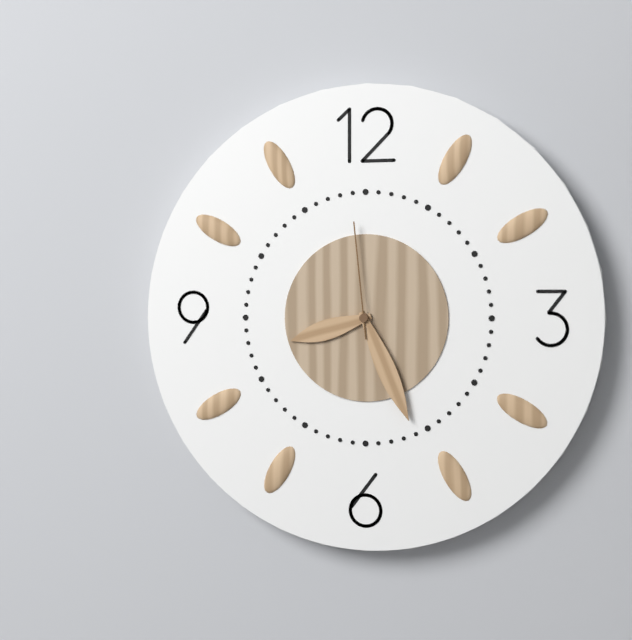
8:26:59
